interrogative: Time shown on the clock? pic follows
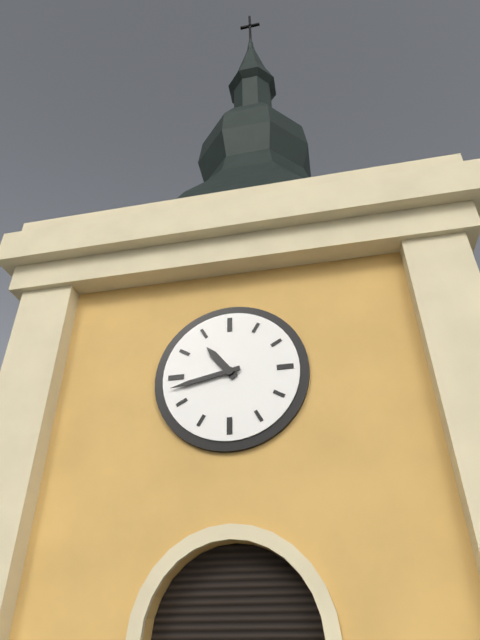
10:43
